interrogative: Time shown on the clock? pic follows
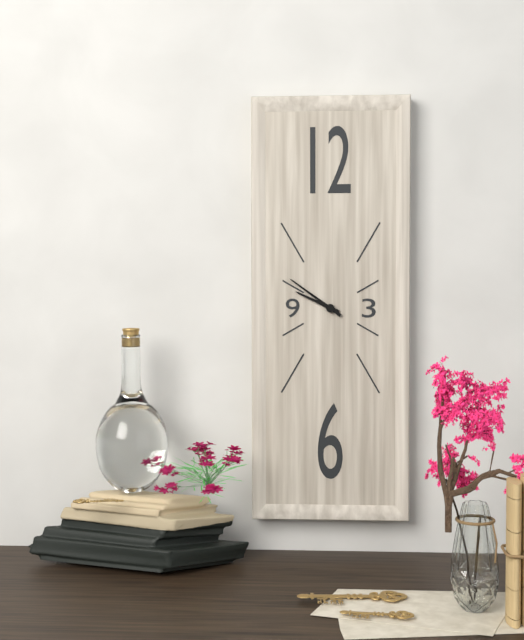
9:51
